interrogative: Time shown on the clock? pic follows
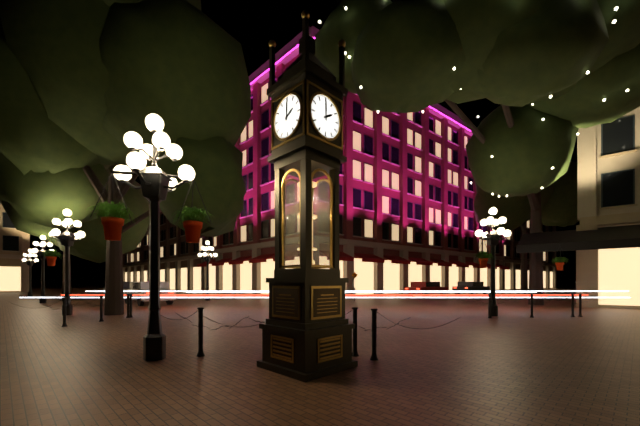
2:00
